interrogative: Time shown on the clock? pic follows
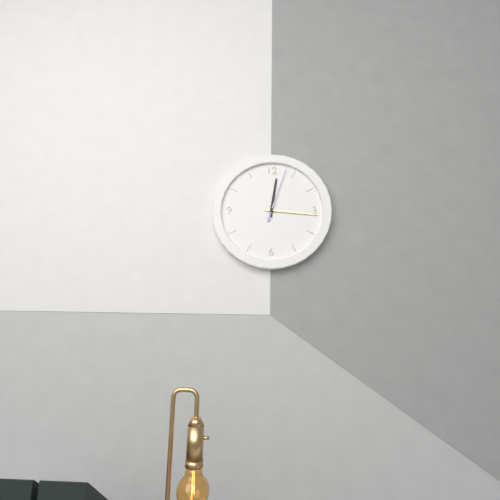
12:16:03
